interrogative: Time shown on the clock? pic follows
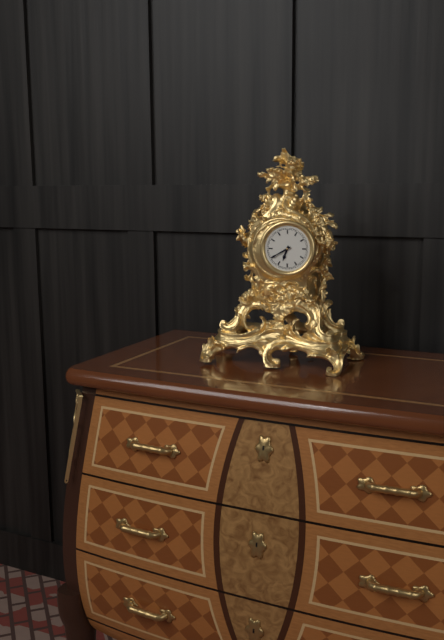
6:40
